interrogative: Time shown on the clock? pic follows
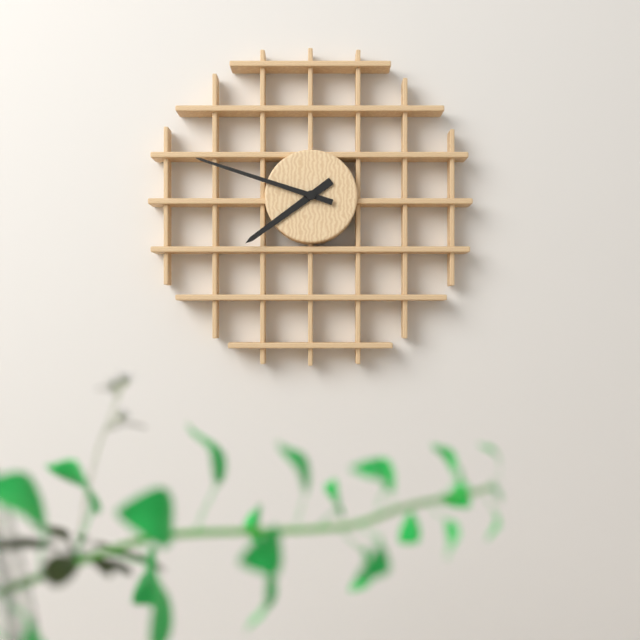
7:48
